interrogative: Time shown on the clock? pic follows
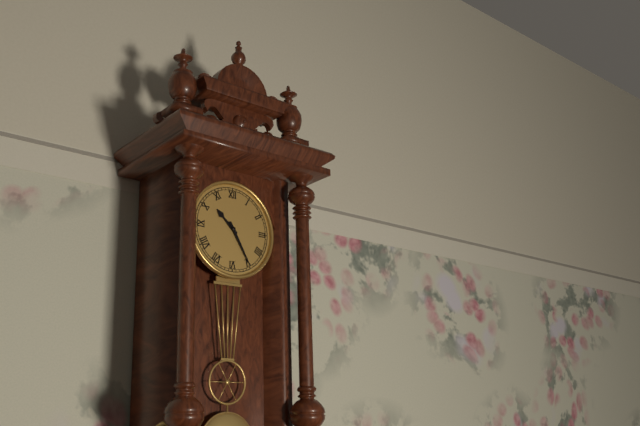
10:25
